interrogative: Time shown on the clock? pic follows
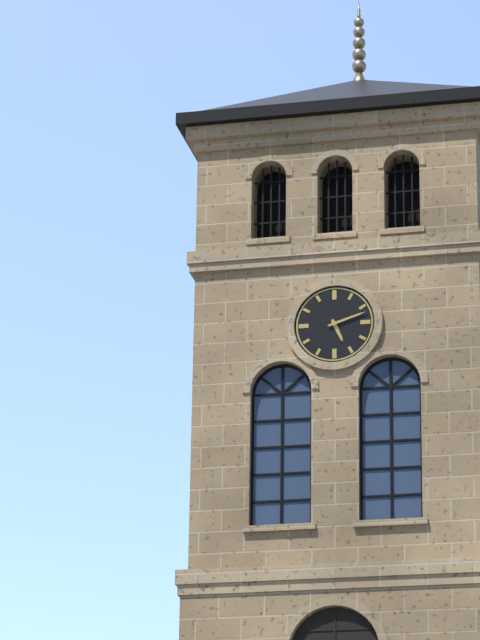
5:12
